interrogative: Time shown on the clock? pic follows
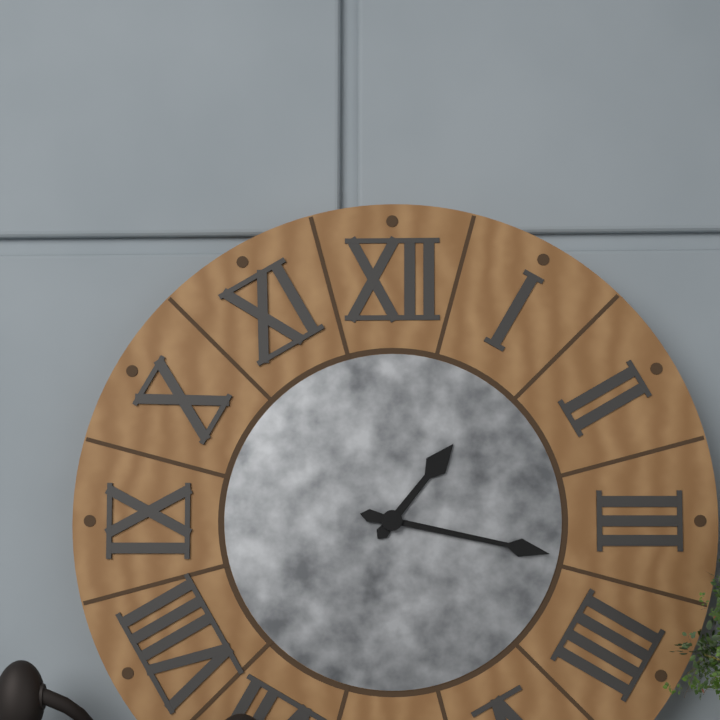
1:17
